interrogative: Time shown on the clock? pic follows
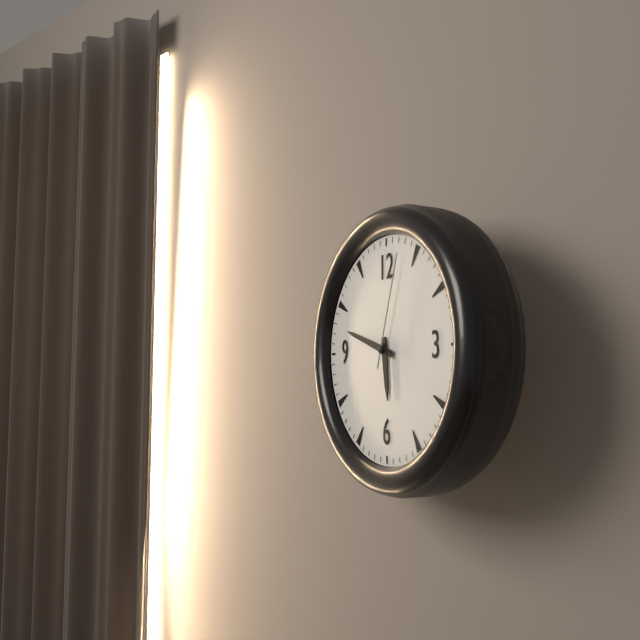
5:48:03
